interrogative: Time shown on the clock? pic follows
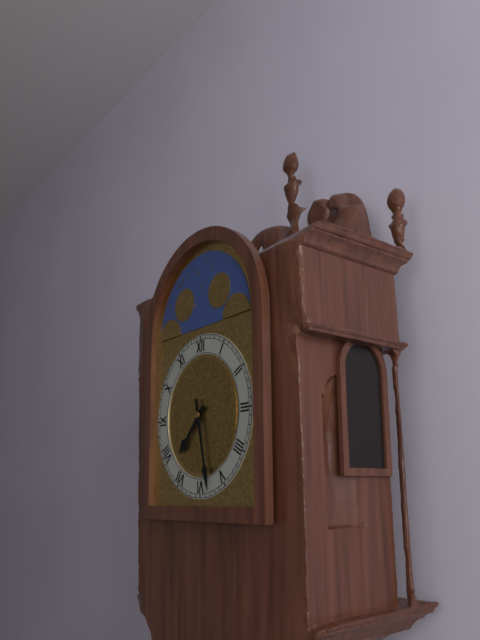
7:28
